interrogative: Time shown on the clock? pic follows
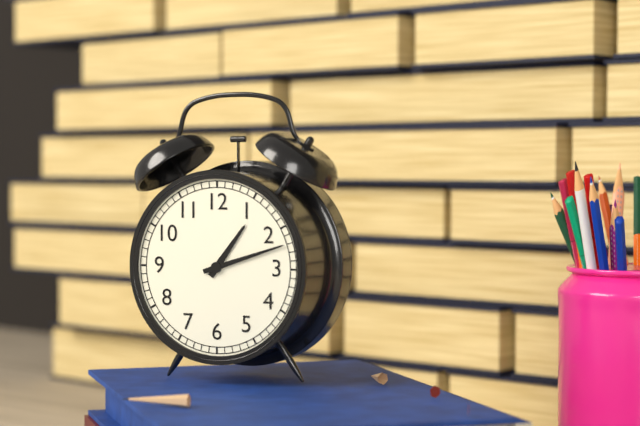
1:12
